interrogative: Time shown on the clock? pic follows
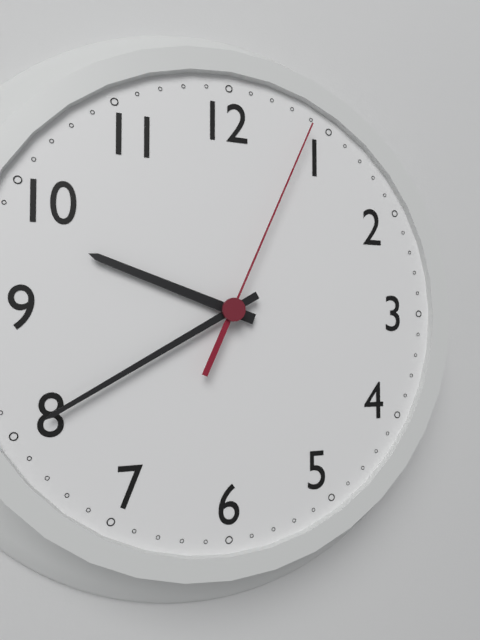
9:40:04
